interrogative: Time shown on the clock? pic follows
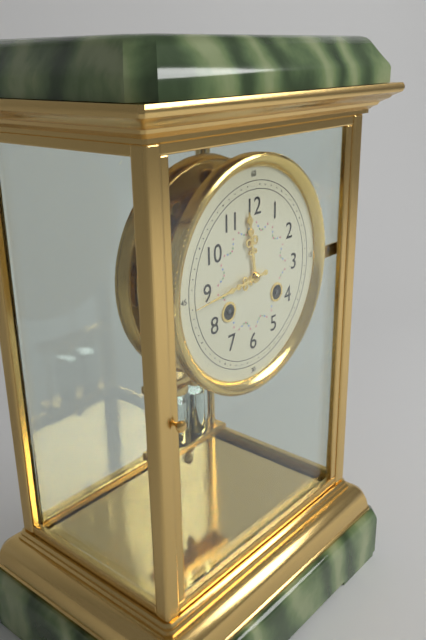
11:44
